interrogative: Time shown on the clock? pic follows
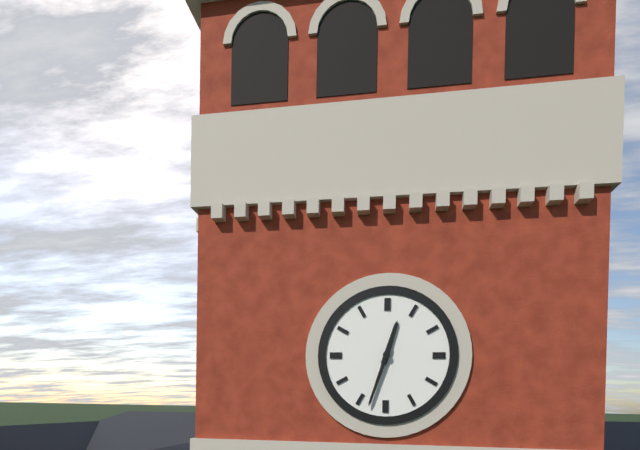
12:33
